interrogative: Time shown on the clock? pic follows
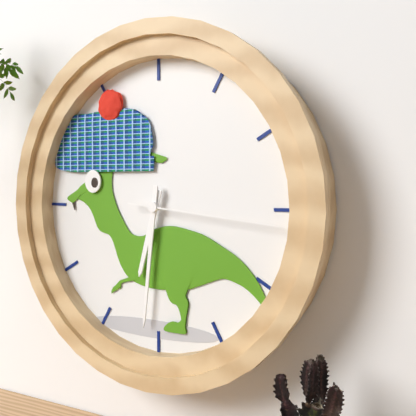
6:31:16
